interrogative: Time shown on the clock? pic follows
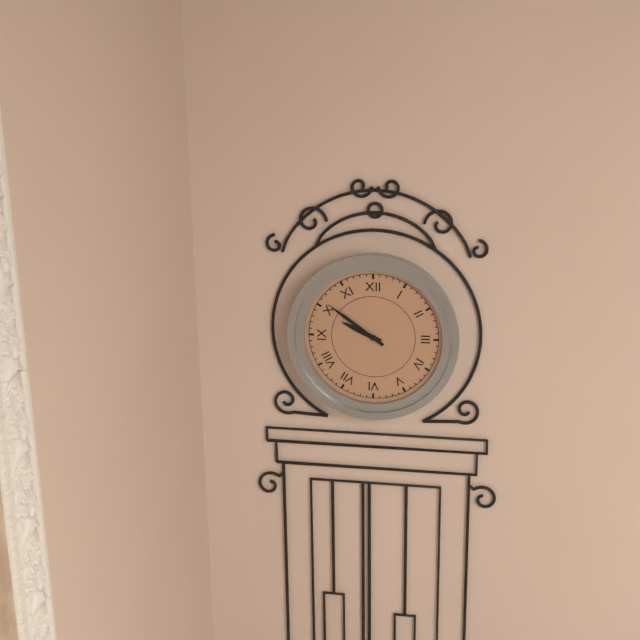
9:51
